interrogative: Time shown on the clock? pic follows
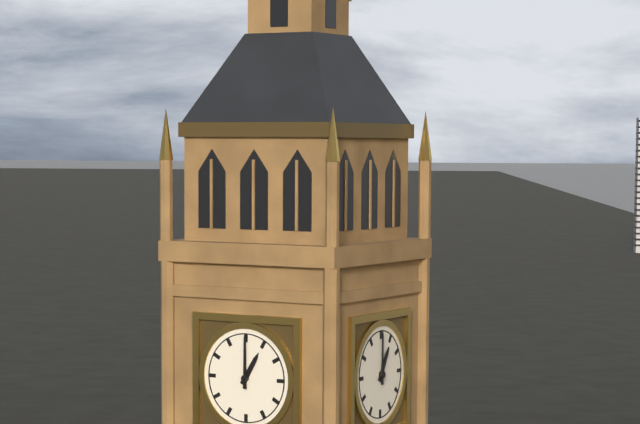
1:00
